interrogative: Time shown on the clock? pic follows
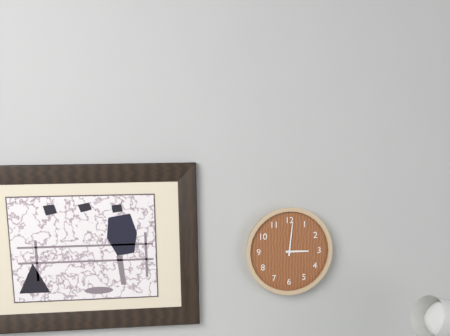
3:01
